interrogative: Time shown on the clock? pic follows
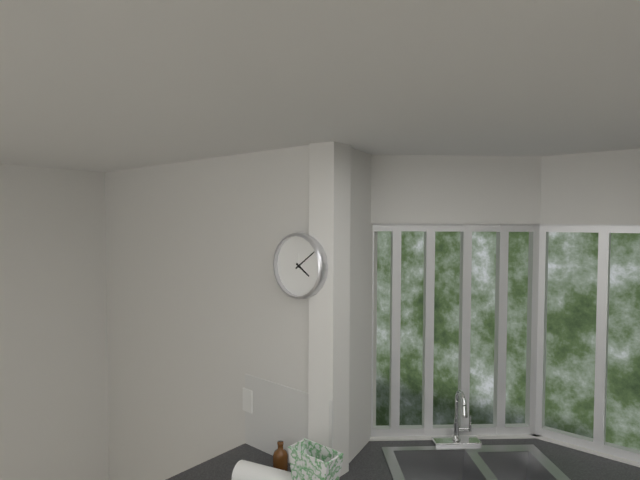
4:09
